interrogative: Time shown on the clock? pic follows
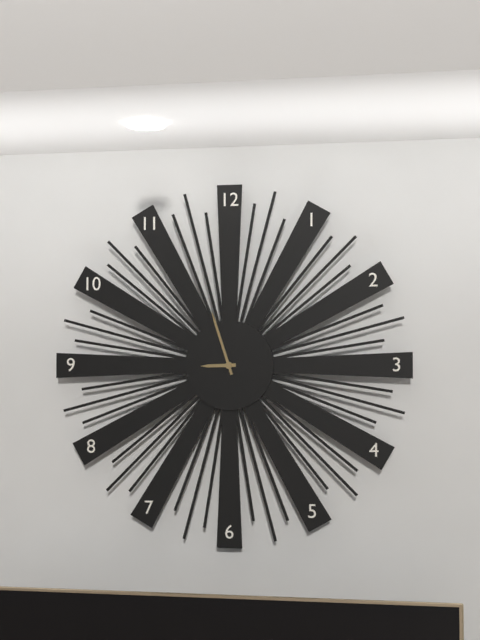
8:57
